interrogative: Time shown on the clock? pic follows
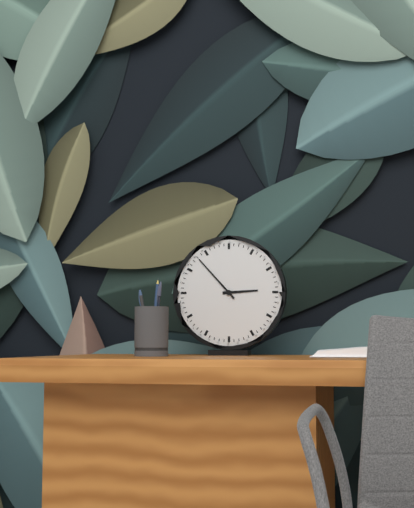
2:53
